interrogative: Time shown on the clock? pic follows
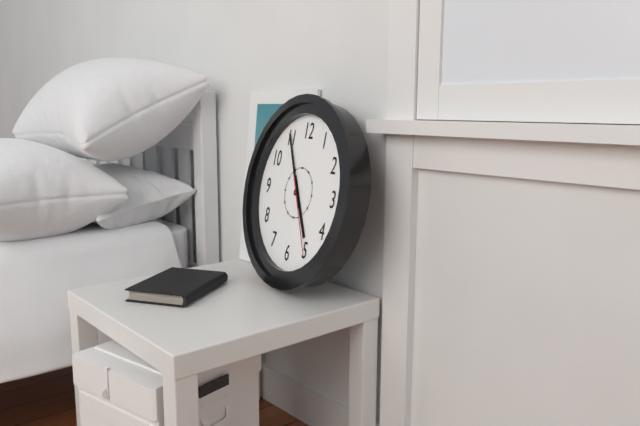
4:55:25
